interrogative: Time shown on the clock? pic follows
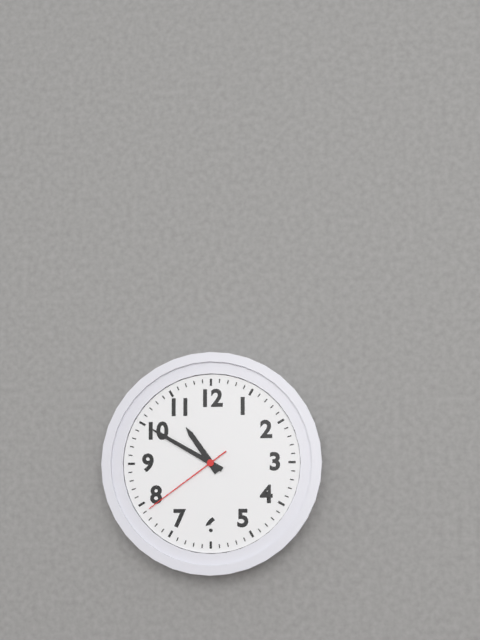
10:50:39
